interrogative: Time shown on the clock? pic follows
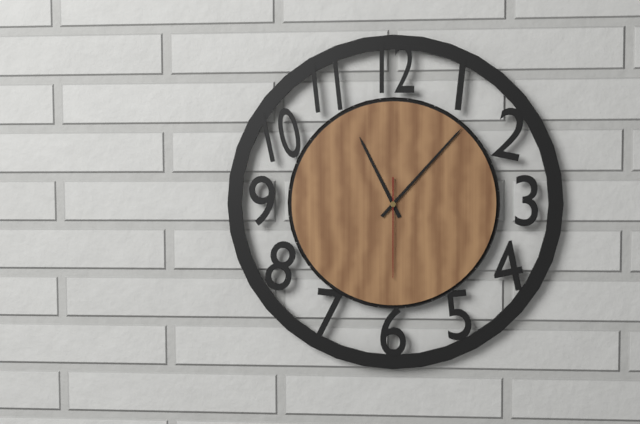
11:07:30
